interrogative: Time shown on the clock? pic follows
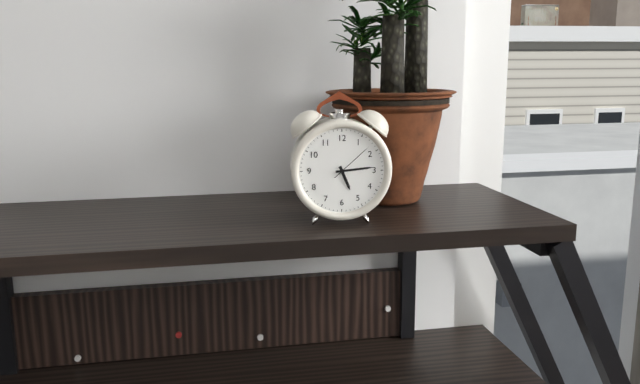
5:14
